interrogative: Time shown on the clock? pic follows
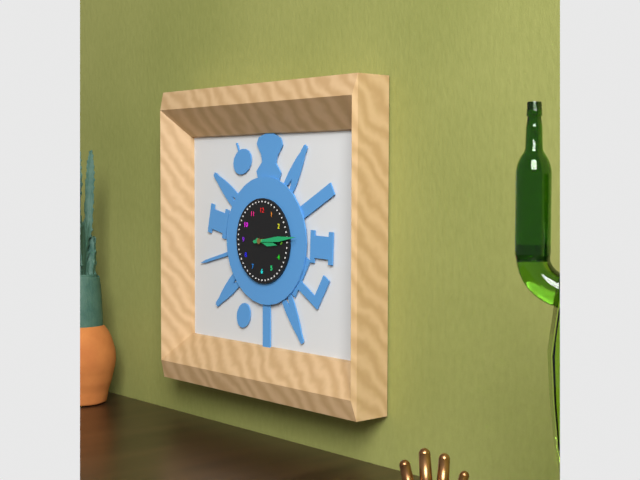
3:14
